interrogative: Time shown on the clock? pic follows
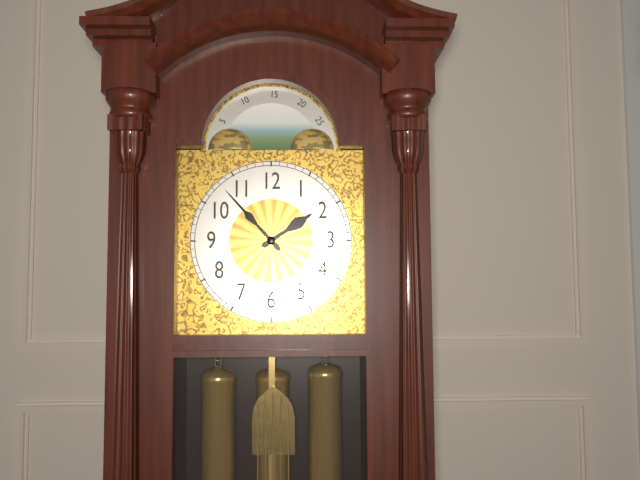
1:53
